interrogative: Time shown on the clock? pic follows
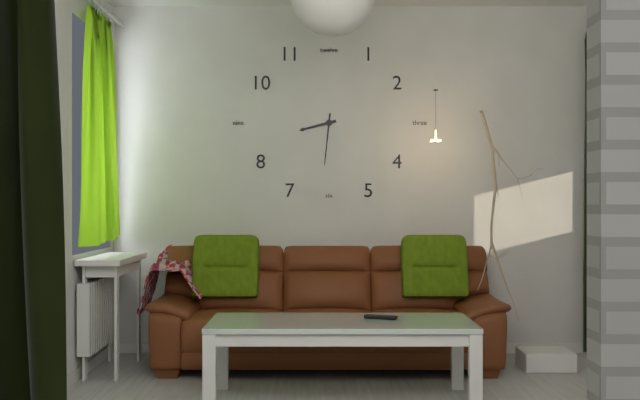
8:31
